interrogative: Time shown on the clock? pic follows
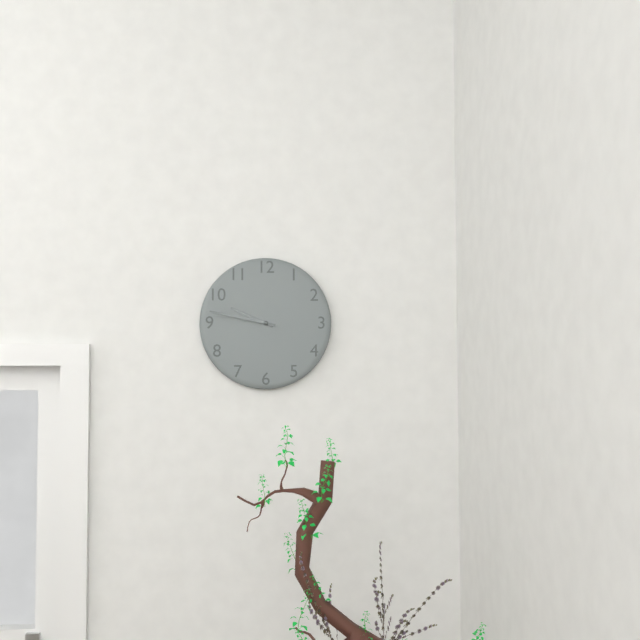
9:47
